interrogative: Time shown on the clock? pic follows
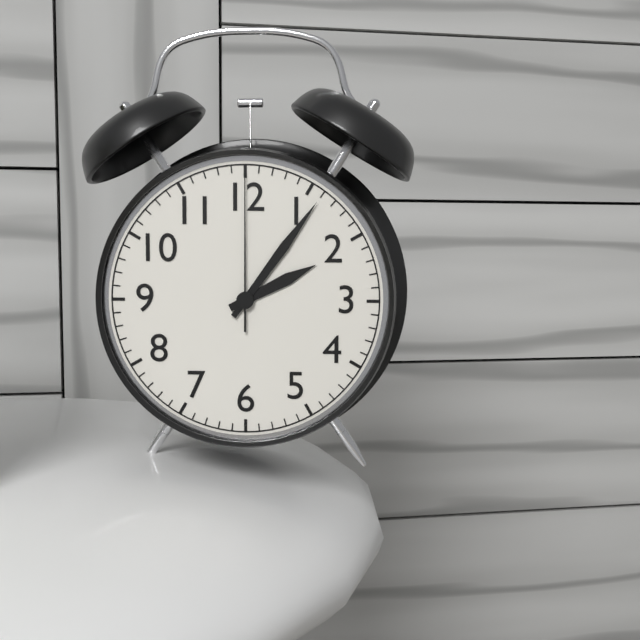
2:06:00
